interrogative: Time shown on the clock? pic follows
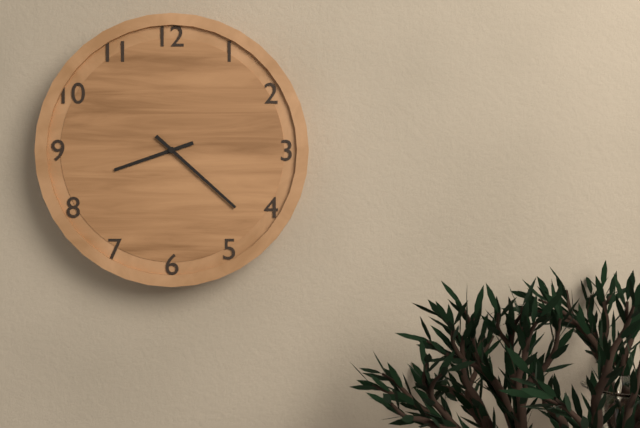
8:22
